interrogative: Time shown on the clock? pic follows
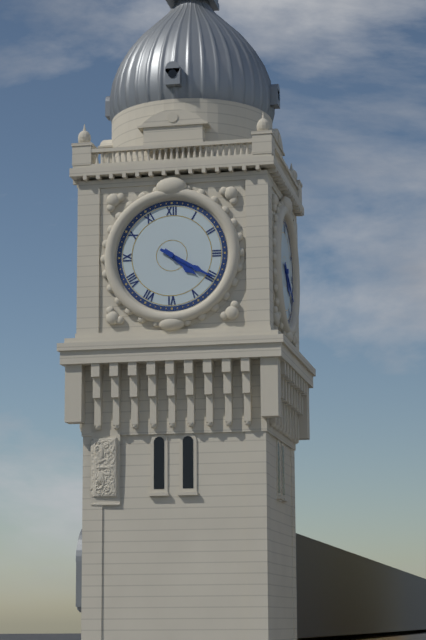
4:20
